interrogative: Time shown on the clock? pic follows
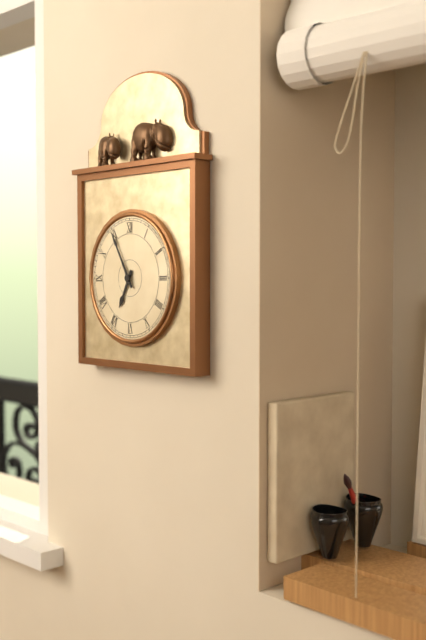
6:55
